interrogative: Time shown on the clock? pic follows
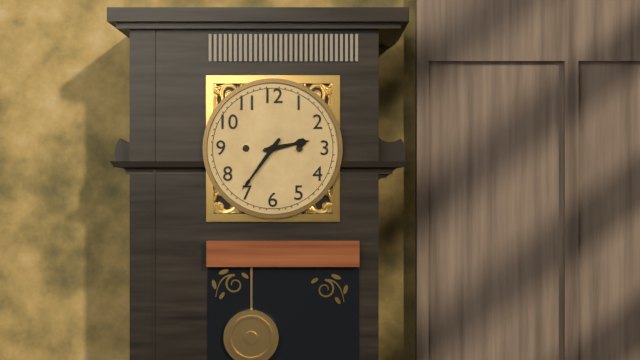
2:36
